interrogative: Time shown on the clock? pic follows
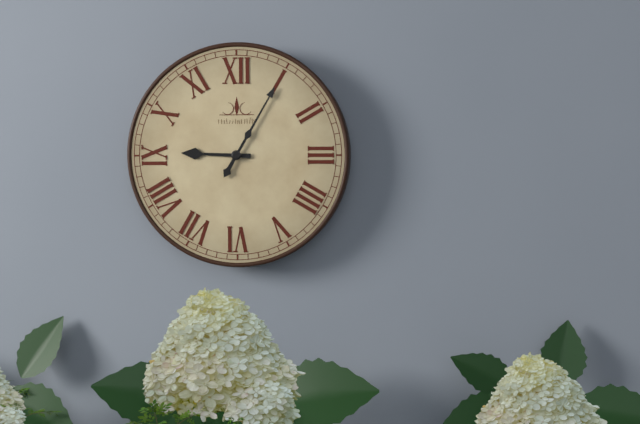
9:05
